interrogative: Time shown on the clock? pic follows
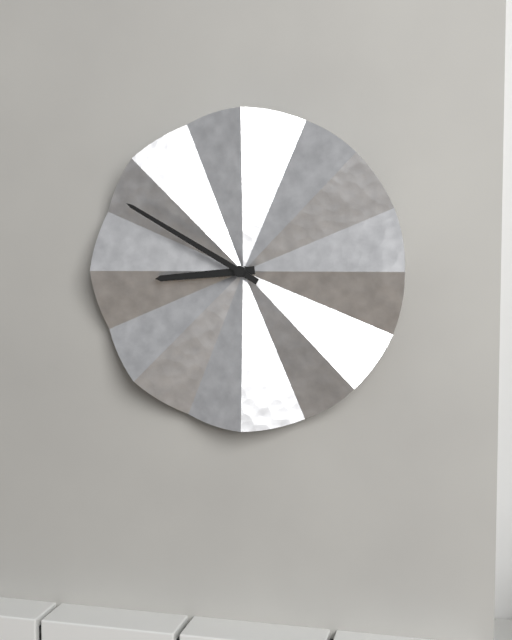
8:50
